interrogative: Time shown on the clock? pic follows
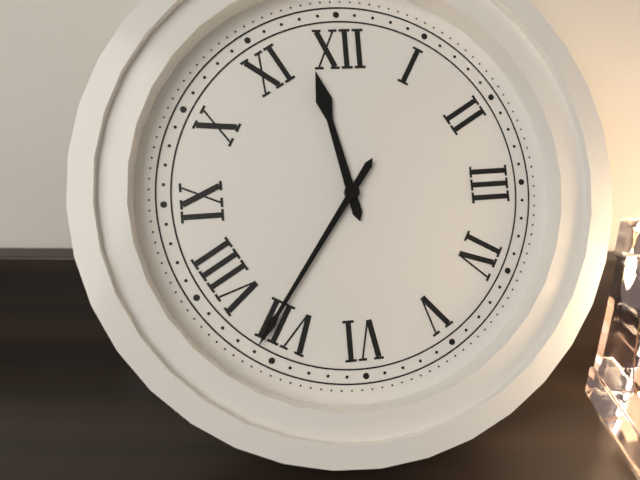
11:36
